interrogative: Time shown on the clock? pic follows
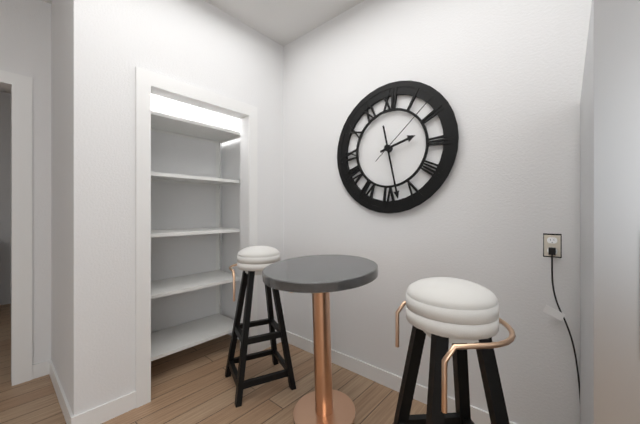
2:28:08
